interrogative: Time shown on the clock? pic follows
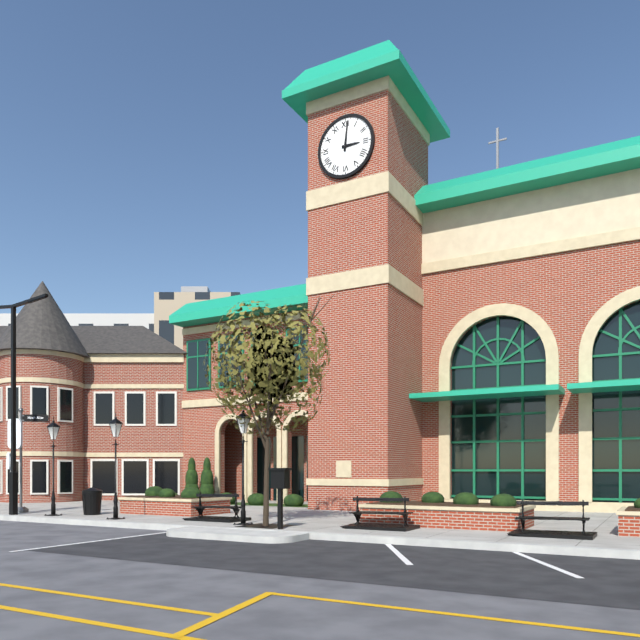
3:01
